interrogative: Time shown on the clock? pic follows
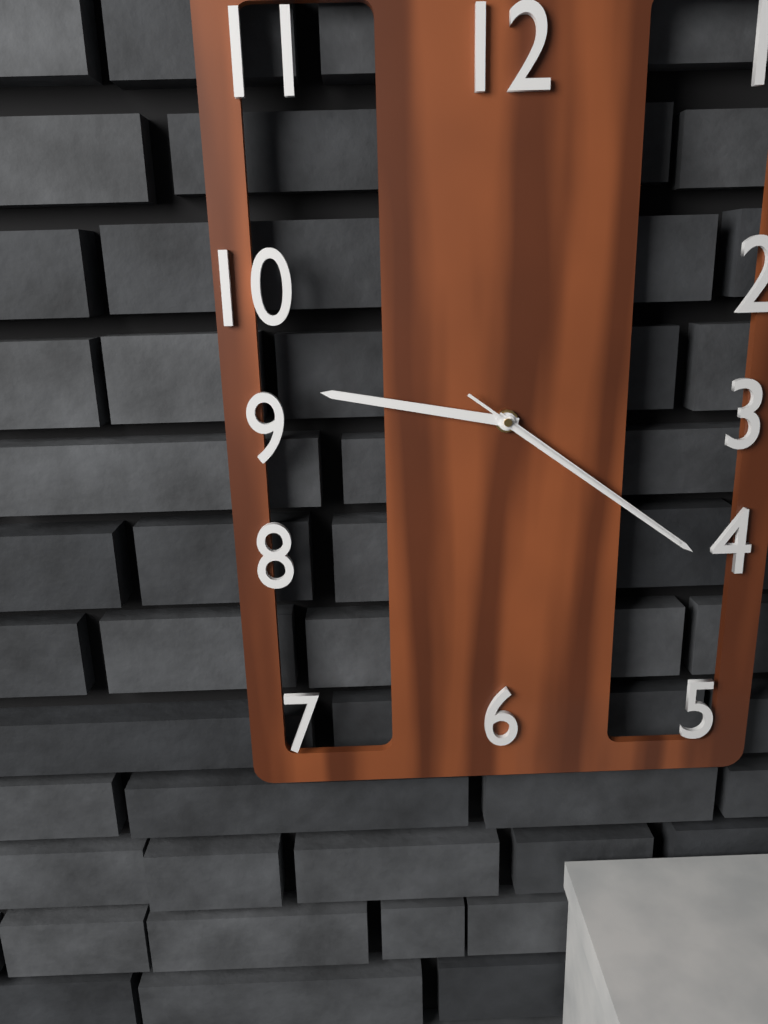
9:21:21
